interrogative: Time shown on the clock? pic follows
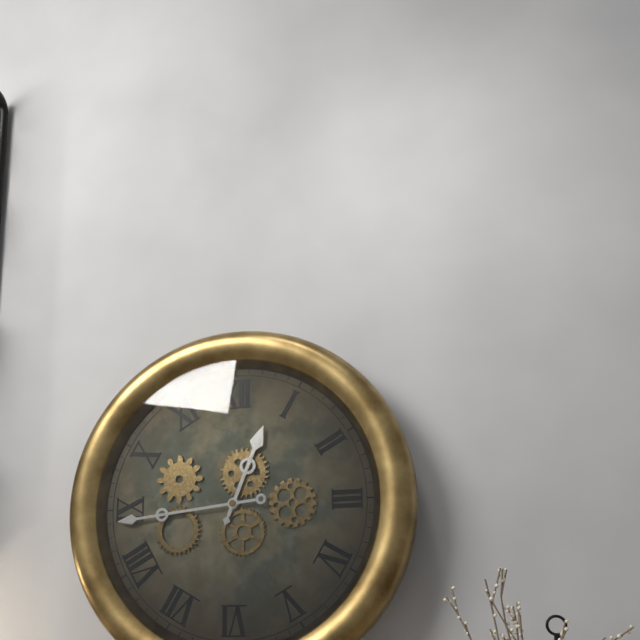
12:44
